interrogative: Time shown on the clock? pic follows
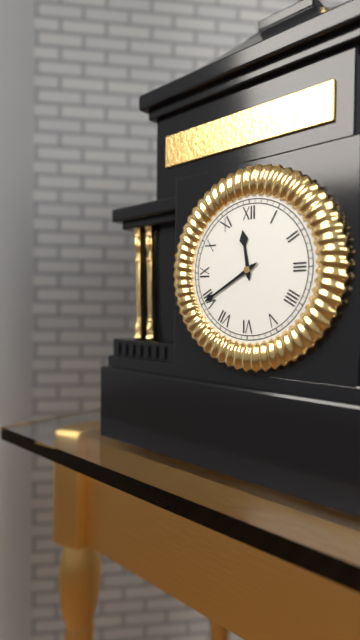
11:40
